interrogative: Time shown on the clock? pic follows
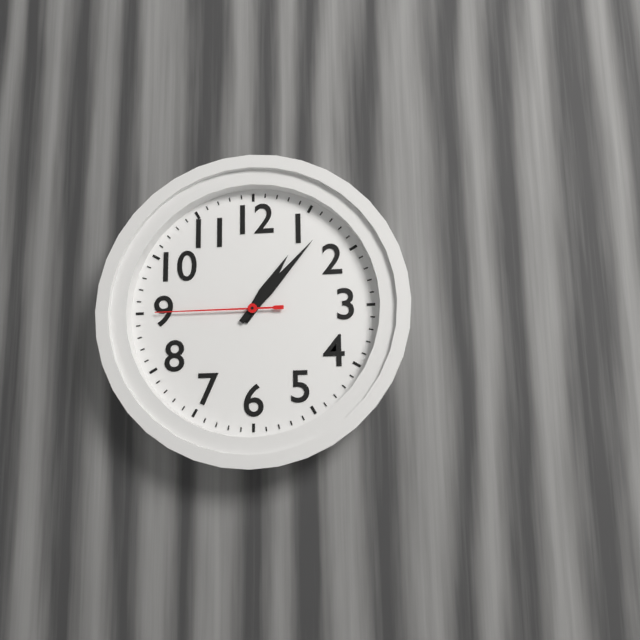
1:07:45
